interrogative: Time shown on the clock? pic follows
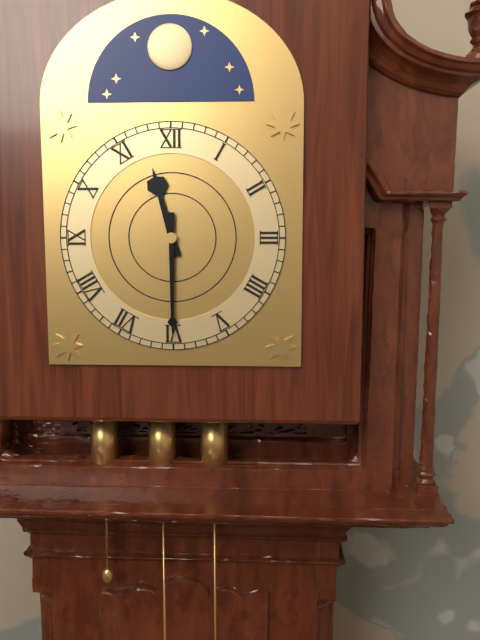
11:30
